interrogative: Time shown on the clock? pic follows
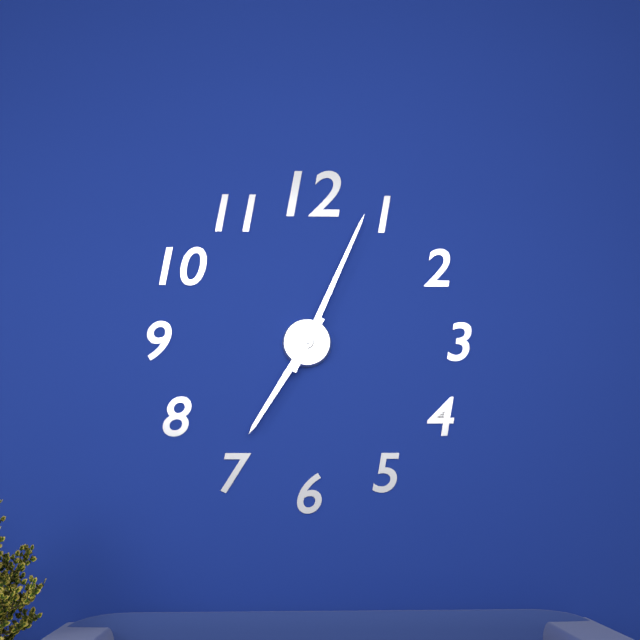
7:04
